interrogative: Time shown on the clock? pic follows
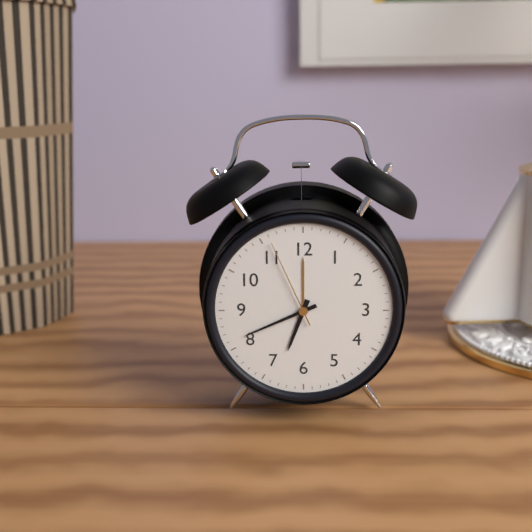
6:41:56
